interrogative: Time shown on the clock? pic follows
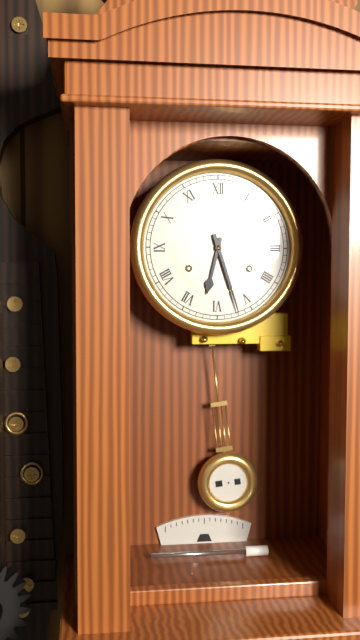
6:27
